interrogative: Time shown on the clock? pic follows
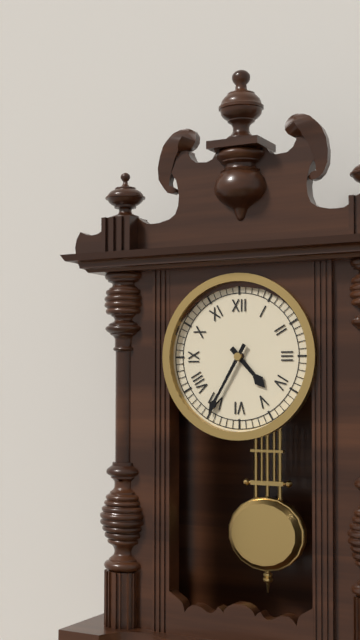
4:35
